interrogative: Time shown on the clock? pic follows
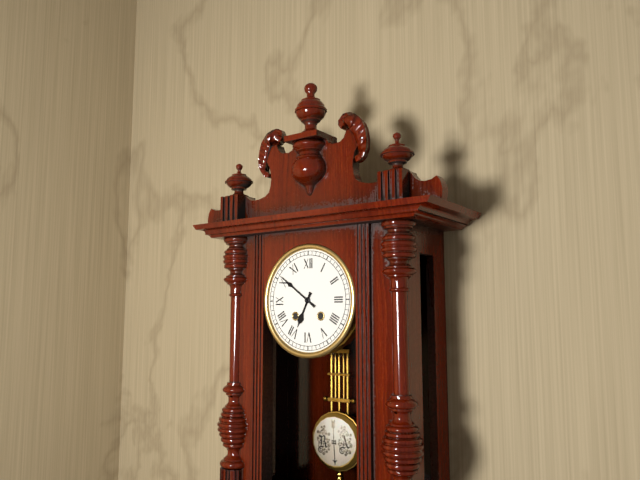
6:51
